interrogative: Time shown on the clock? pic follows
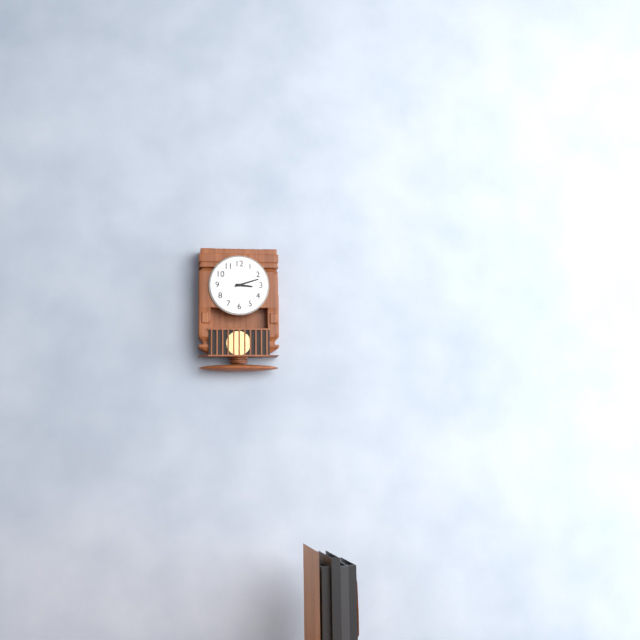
3:12
